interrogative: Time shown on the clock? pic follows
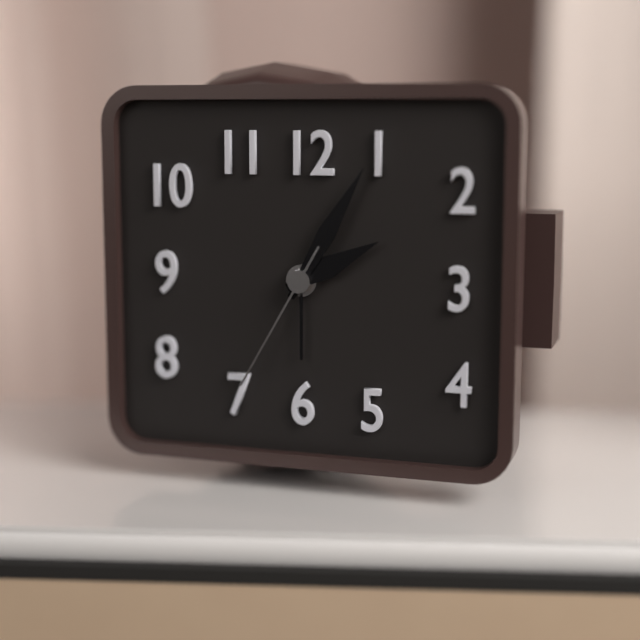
2:05:35
